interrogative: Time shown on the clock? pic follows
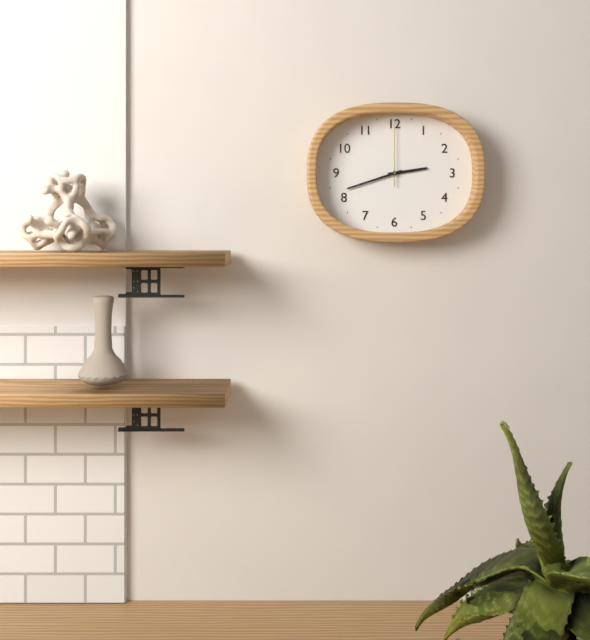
2:42:00
